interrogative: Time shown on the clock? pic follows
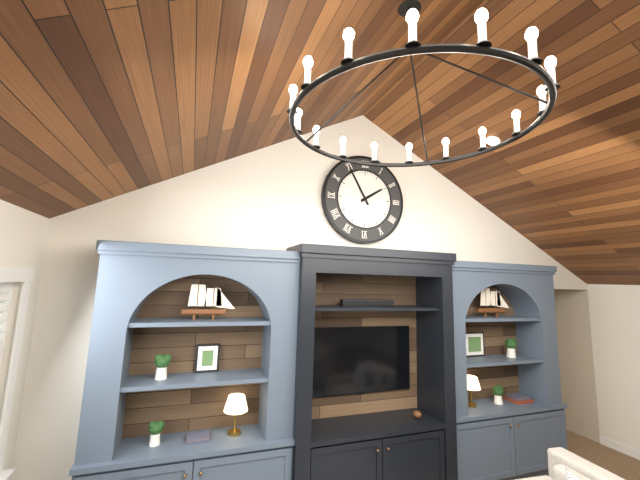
1:55
